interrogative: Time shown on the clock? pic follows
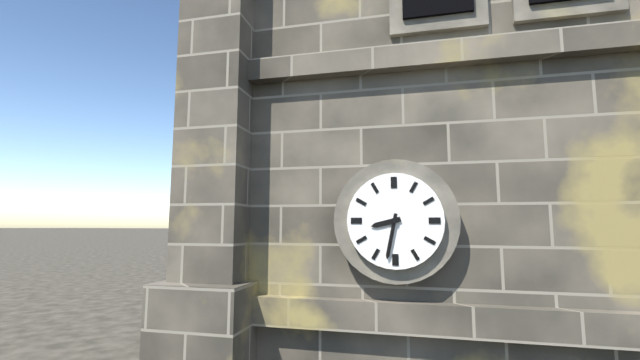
8:32
